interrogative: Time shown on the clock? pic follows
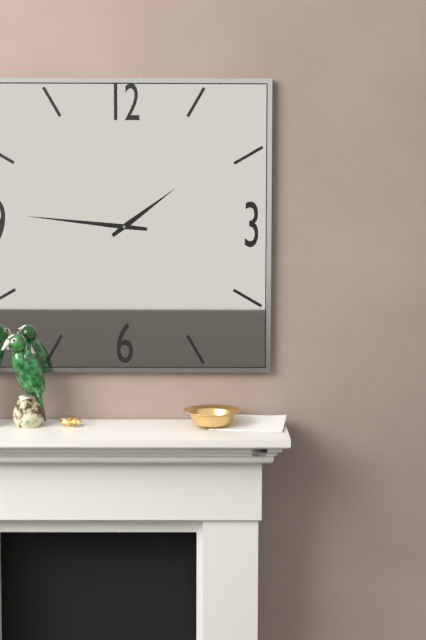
1:46
